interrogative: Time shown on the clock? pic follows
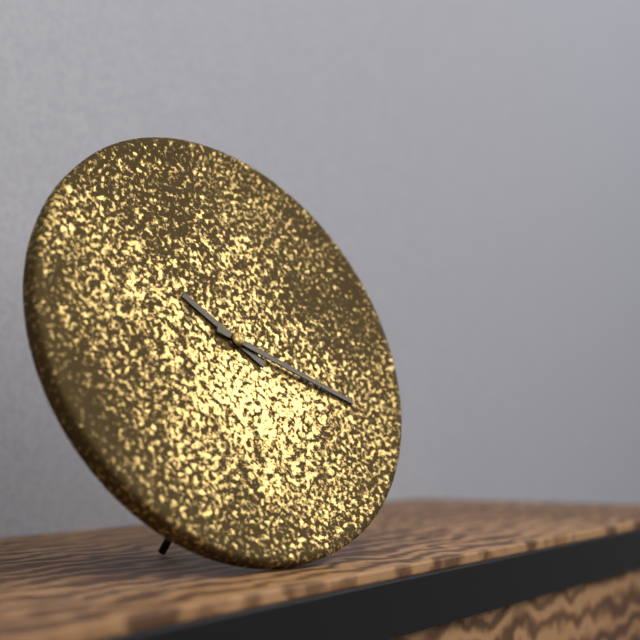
10:19
